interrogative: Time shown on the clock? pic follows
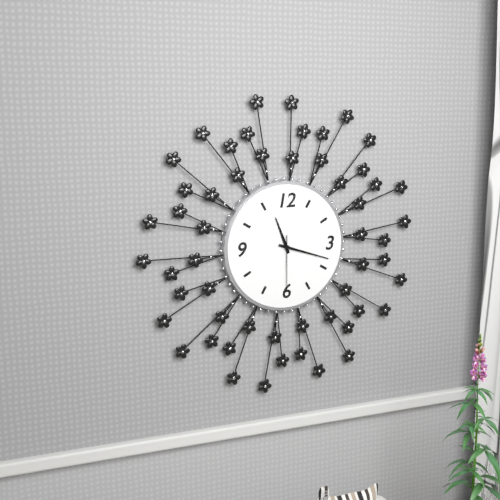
11:18:30
